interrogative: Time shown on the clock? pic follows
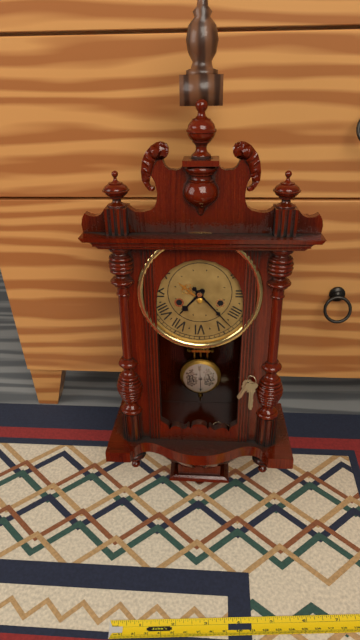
7:23
